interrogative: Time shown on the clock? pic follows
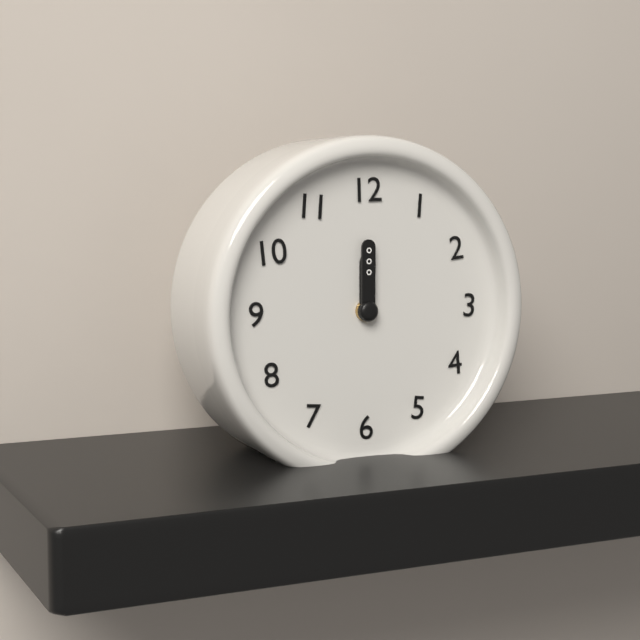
12:00
